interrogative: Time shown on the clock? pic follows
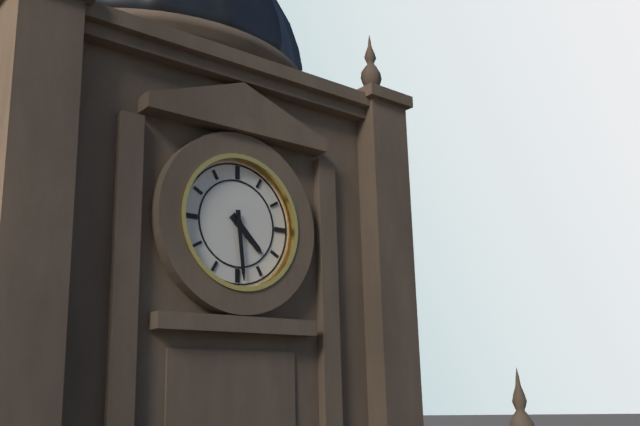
4:29
